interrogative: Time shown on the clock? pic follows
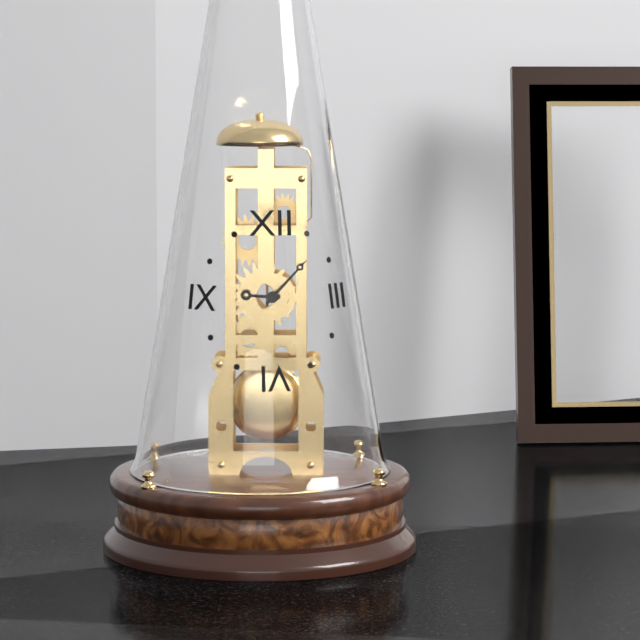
9:07
